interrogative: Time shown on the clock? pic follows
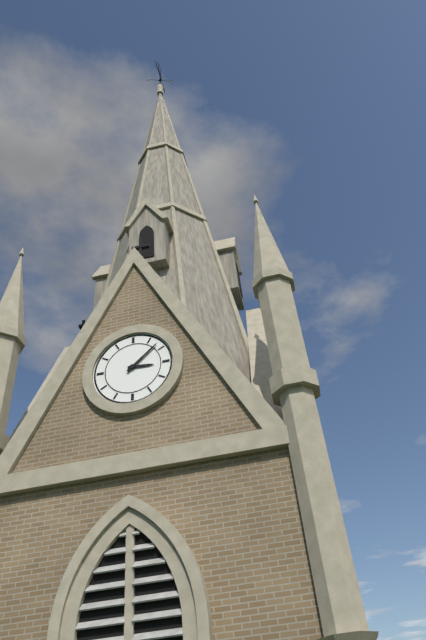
3:08
